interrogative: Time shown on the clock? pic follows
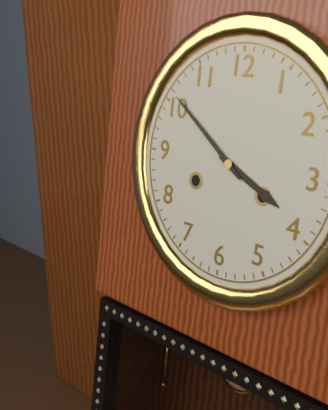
3:51
